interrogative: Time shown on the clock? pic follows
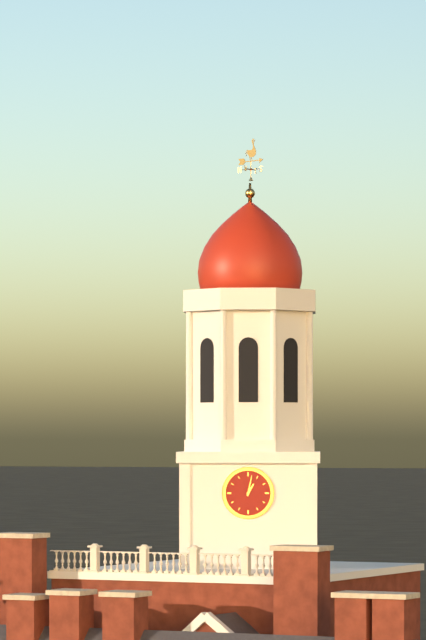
1:02
